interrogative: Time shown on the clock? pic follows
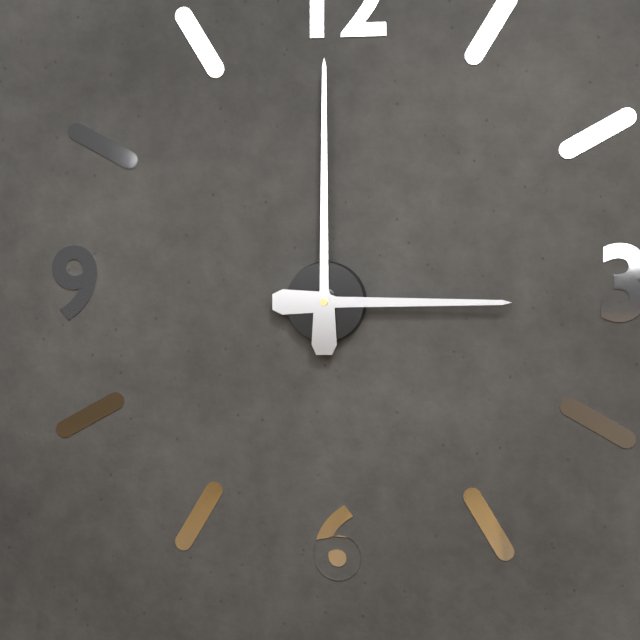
3:00
